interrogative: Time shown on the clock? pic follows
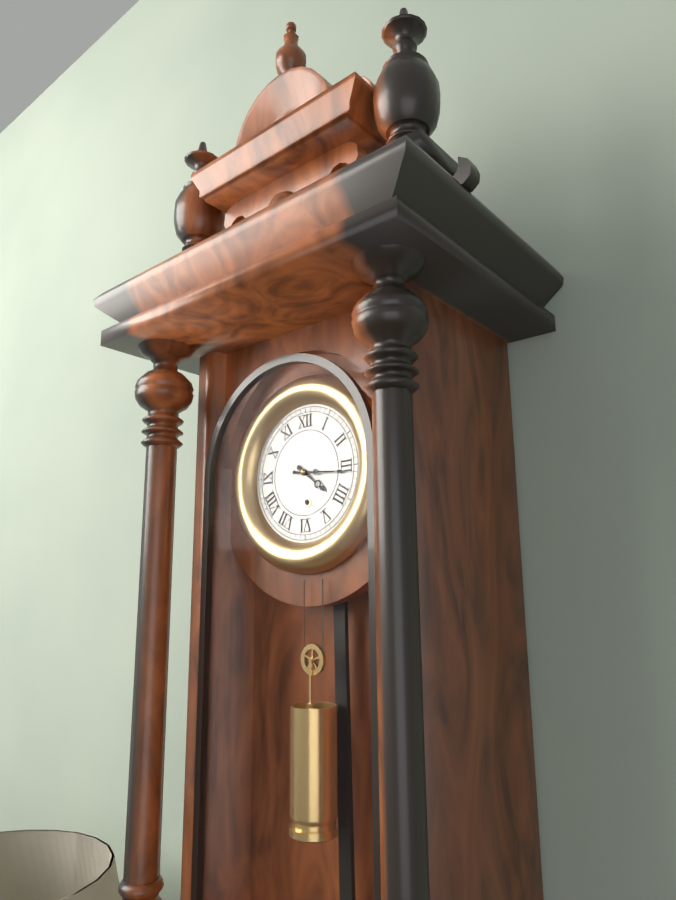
4:16
